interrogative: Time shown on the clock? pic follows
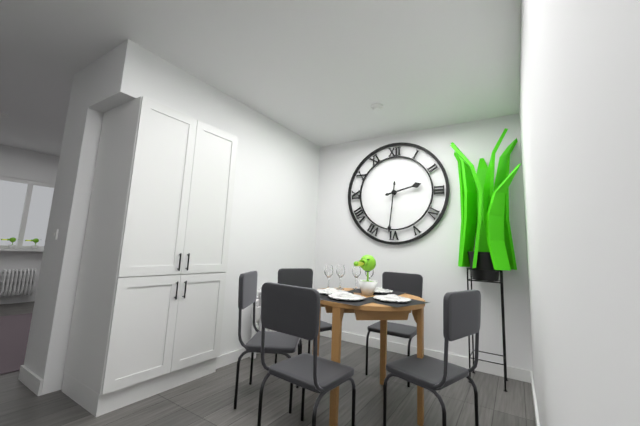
2:31
